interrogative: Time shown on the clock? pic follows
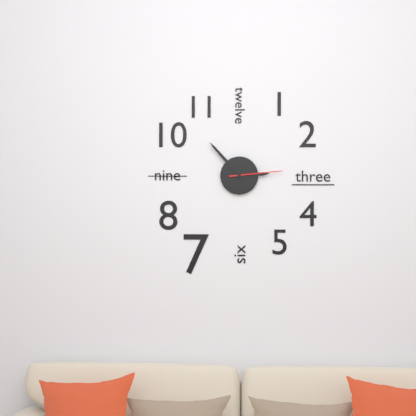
2:53:14
